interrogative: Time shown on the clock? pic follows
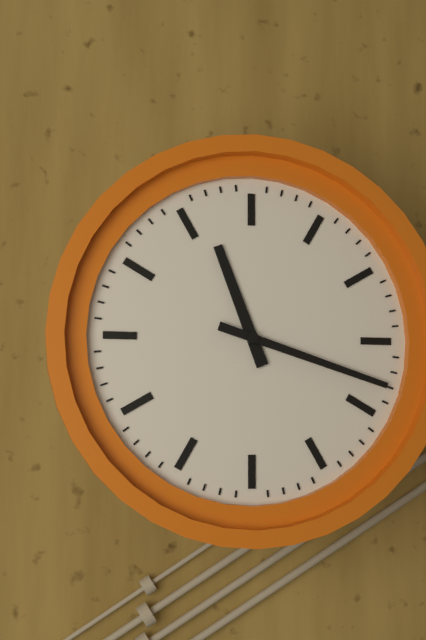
11:18
